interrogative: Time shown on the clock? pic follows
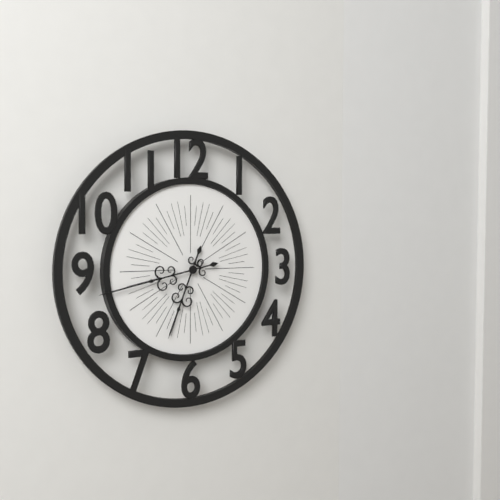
6:43
